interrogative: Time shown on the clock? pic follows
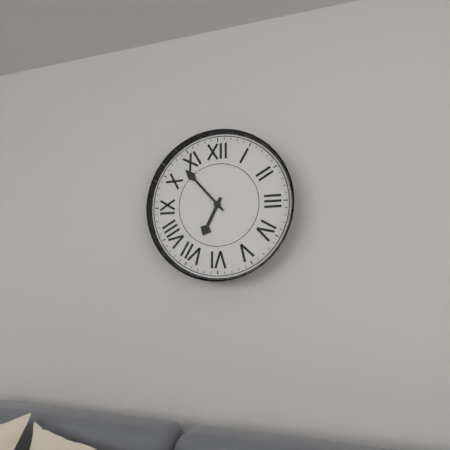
6:53
